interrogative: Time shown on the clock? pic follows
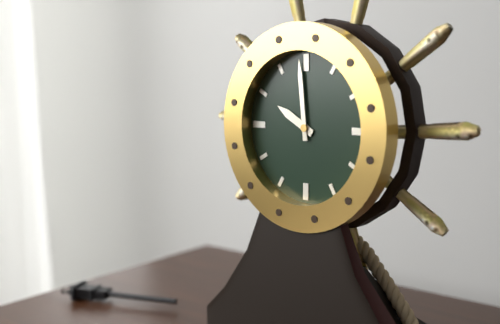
9:59
